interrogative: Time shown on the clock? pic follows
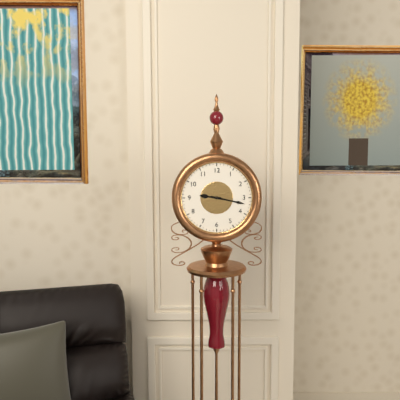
9:17
